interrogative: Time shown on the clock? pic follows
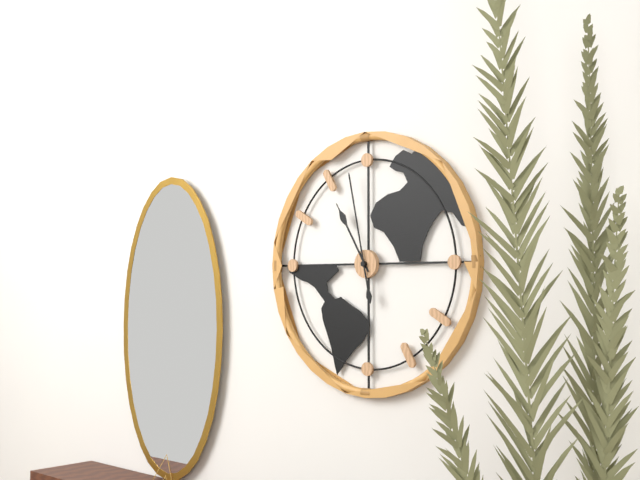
10:58
